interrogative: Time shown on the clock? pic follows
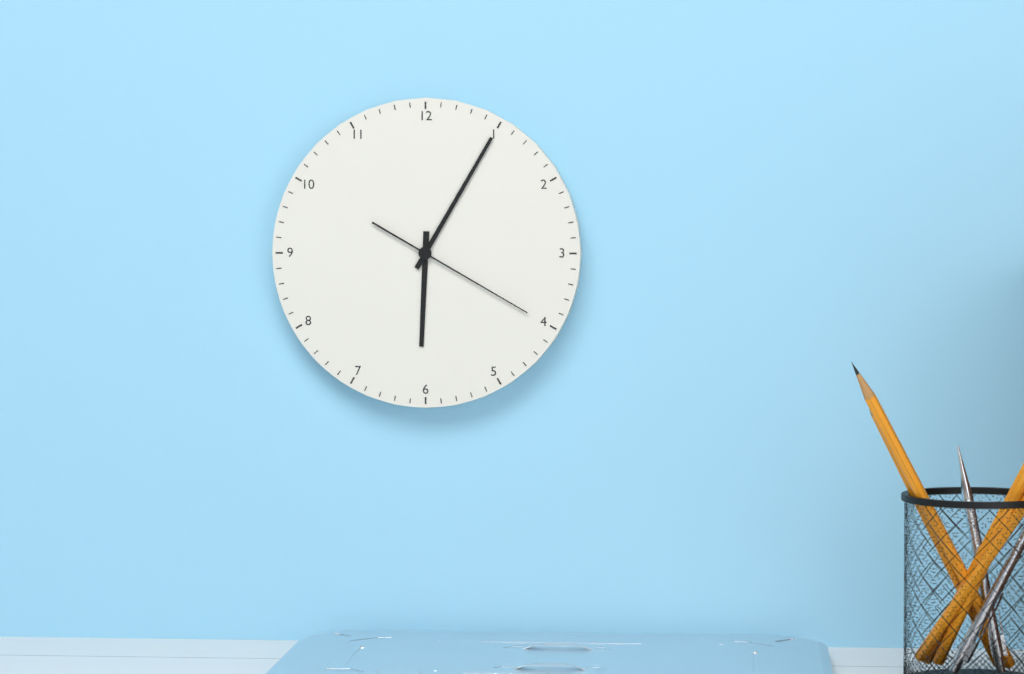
6:05:20
